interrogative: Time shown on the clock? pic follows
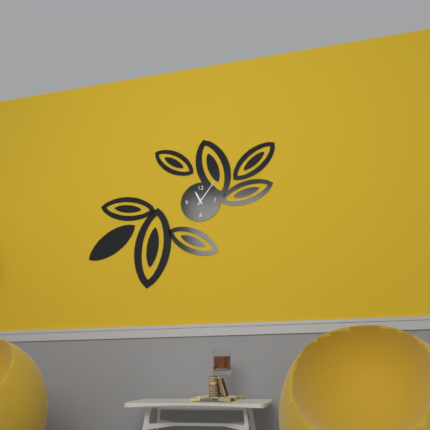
11:06
